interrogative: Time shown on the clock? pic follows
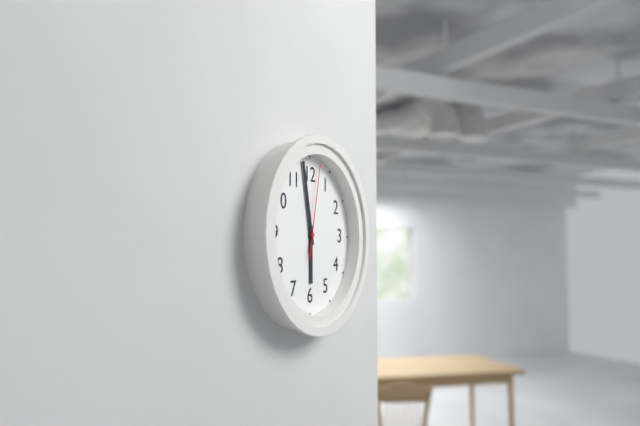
5:58:02
